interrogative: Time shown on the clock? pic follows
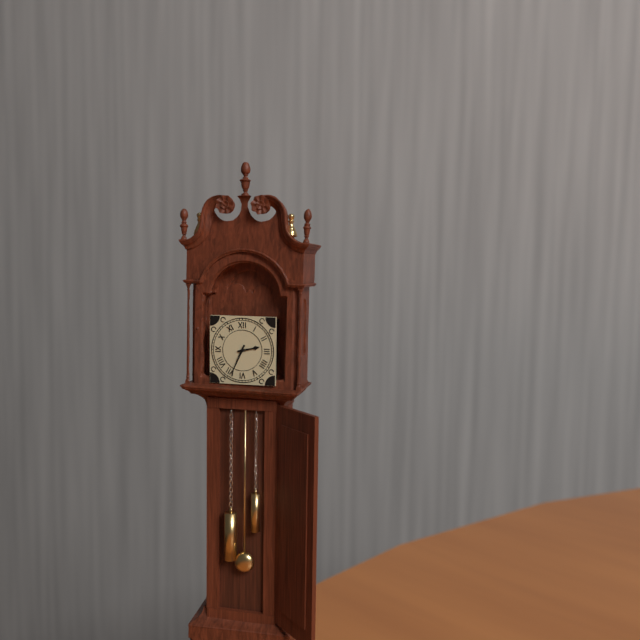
2:34
